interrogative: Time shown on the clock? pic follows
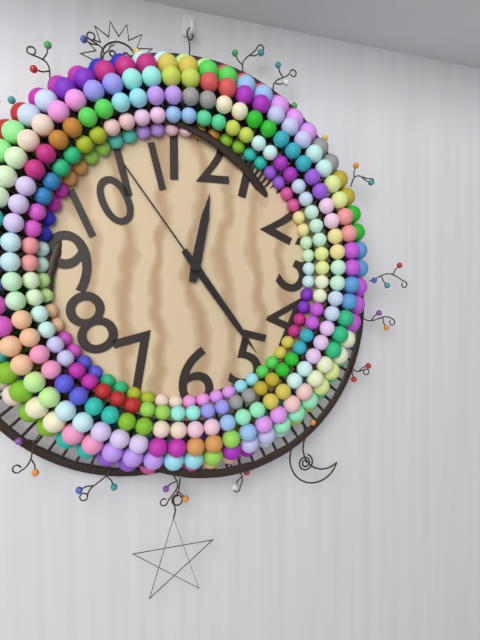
12:24:54
